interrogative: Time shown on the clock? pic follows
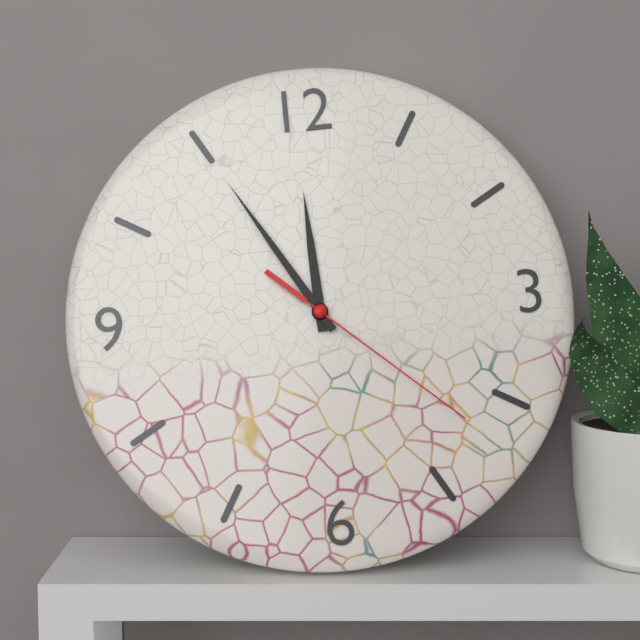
11:55:22
